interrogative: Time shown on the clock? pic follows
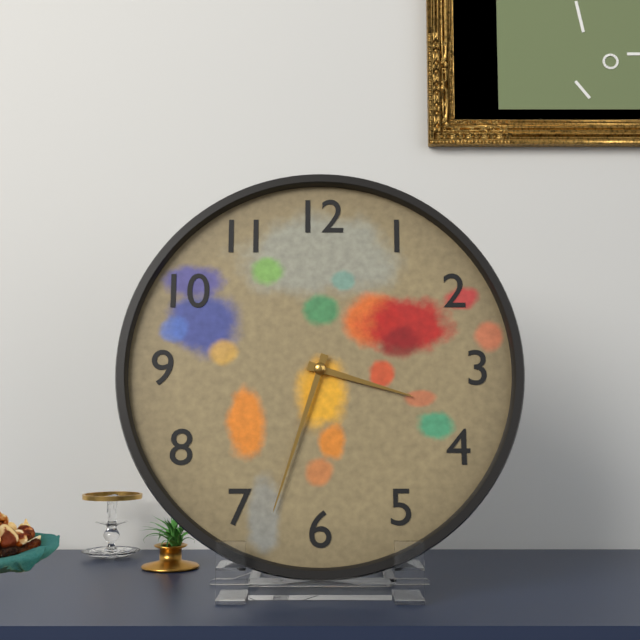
3:33
